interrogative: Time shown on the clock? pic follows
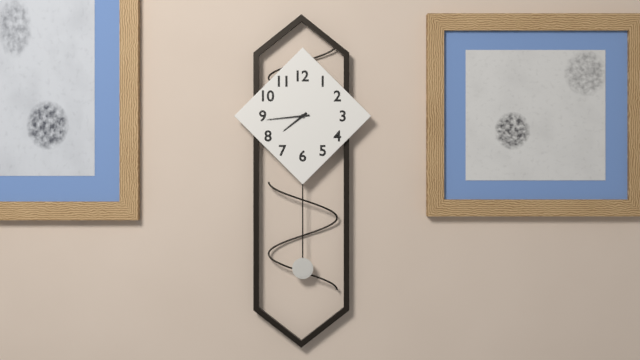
7:44
